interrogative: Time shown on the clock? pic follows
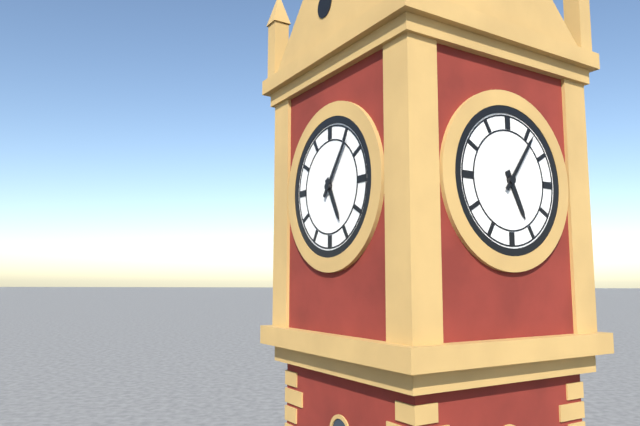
5:06
